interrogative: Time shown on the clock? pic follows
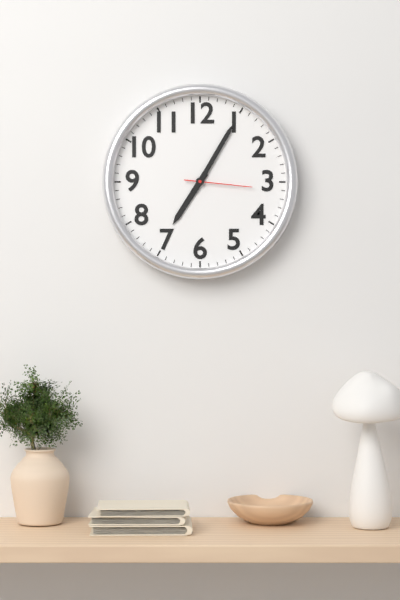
7:05:16
